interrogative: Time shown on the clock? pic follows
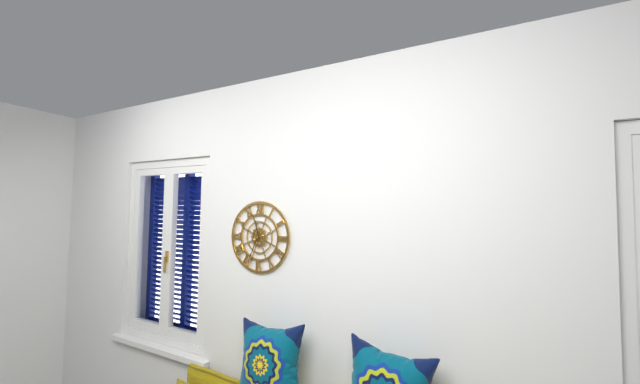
11:34
